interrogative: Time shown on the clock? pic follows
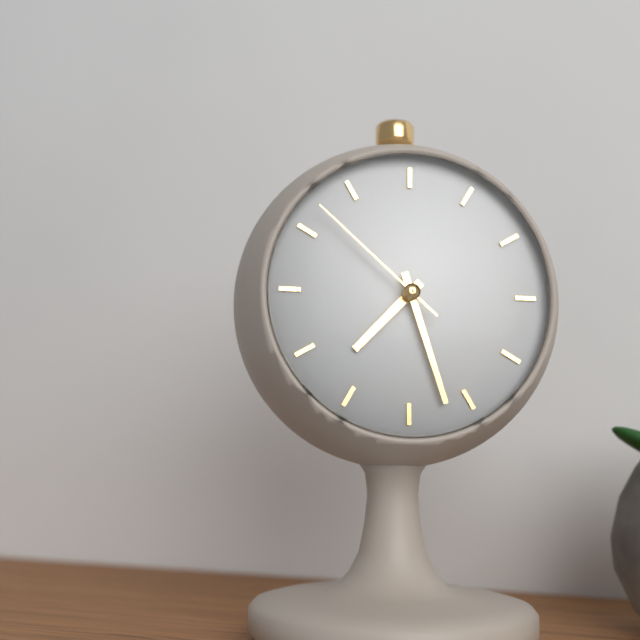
7:27:52
